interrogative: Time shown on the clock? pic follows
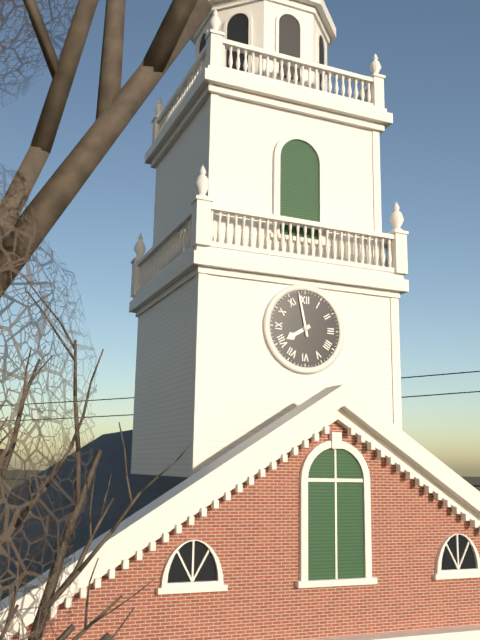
7:58
